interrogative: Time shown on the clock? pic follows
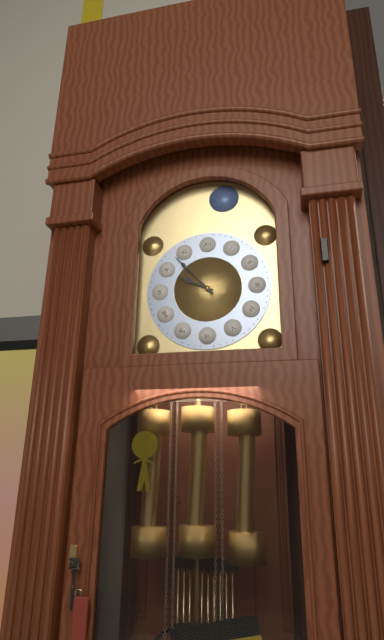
9:53
